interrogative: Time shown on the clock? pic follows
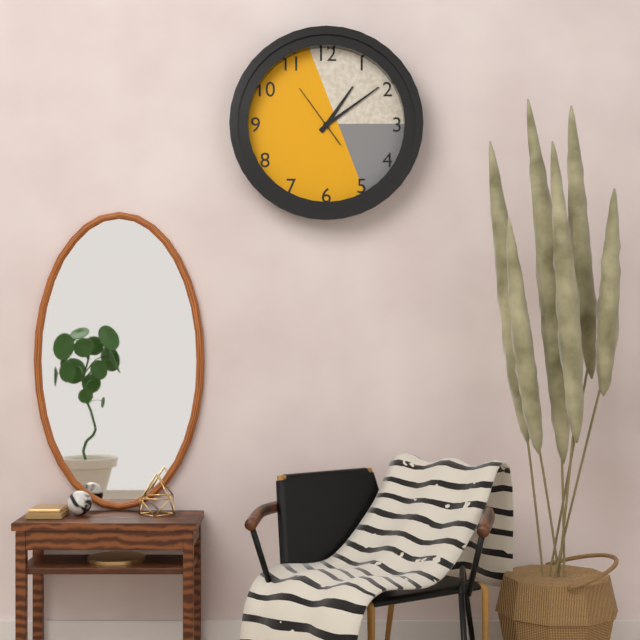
1:09:54
